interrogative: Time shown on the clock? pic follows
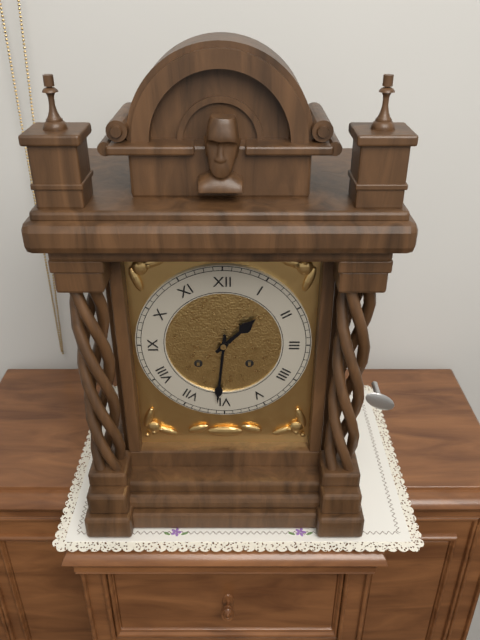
1:31
